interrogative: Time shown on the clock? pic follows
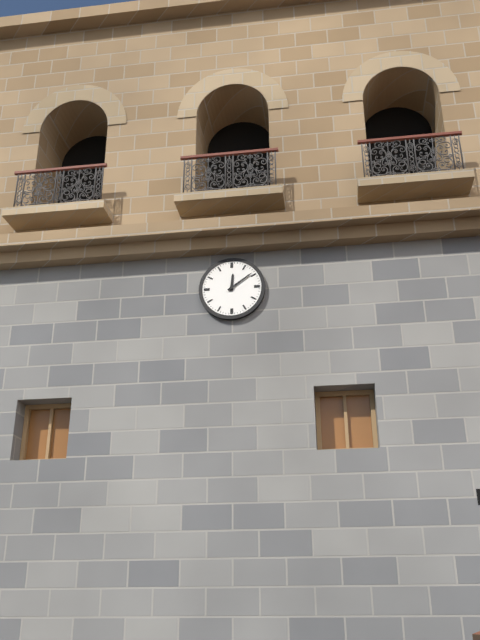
12:09
